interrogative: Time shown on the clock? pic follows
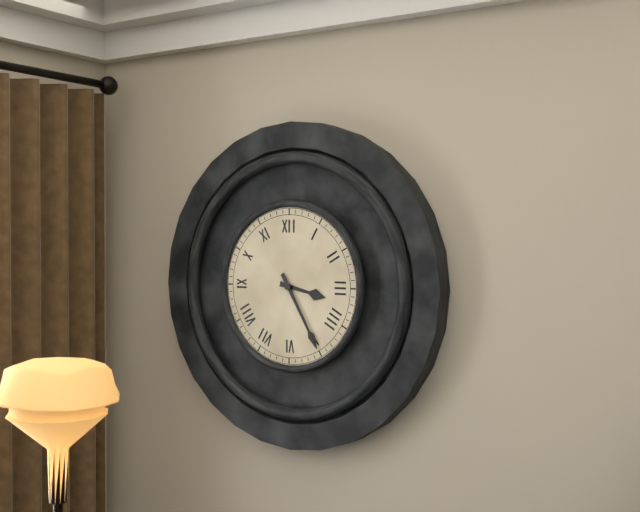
3:25
